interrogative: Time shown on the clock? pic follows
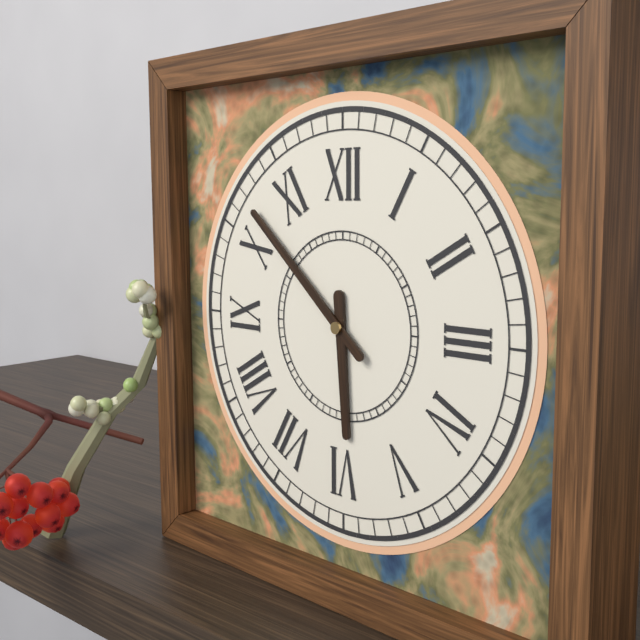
5:52
